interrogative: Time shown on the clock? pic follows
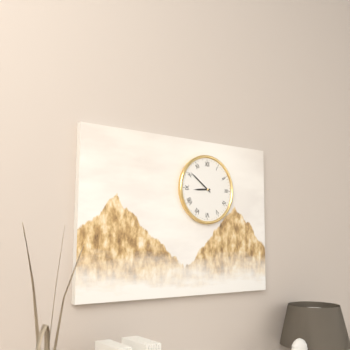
8:51
